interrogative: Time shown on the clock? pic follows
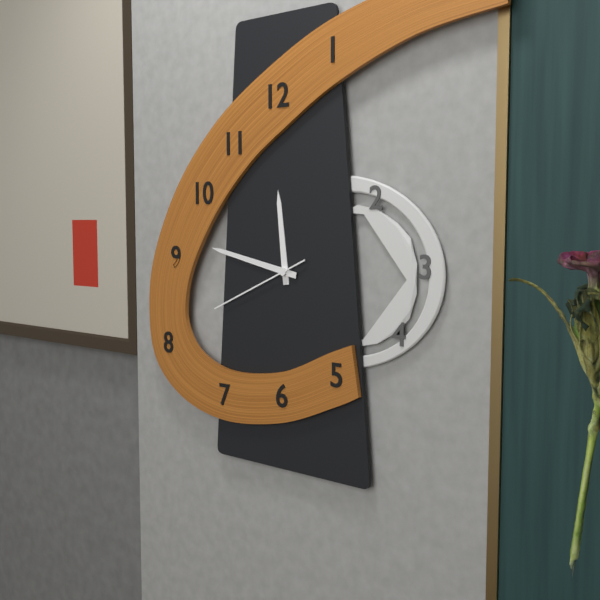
11:47:41
